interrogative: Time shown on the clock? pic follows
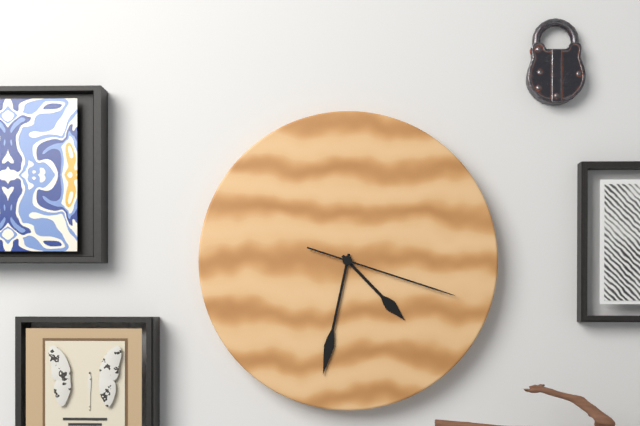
4:32:18
